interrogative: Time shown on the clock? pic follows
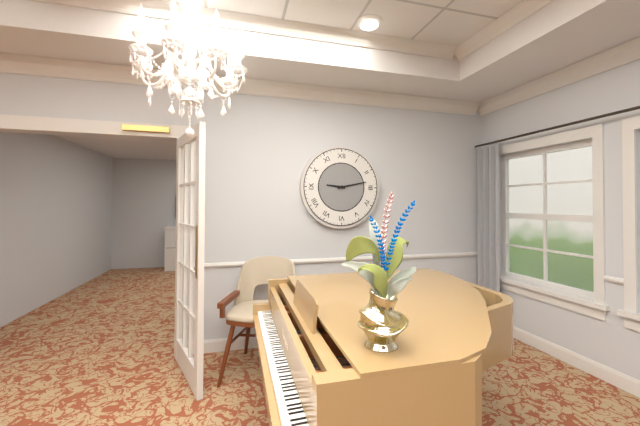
9:13
